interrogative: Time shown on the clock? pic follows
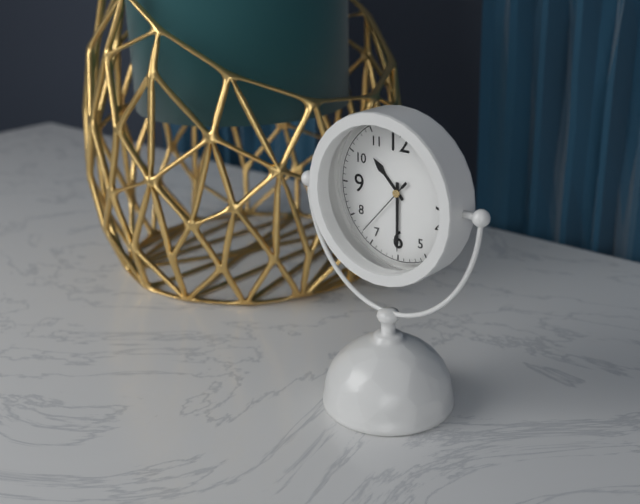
10:30:37
